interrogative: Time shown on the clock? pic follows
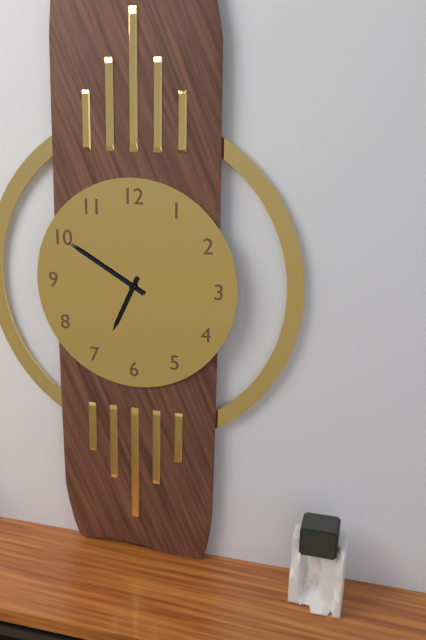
6:50
